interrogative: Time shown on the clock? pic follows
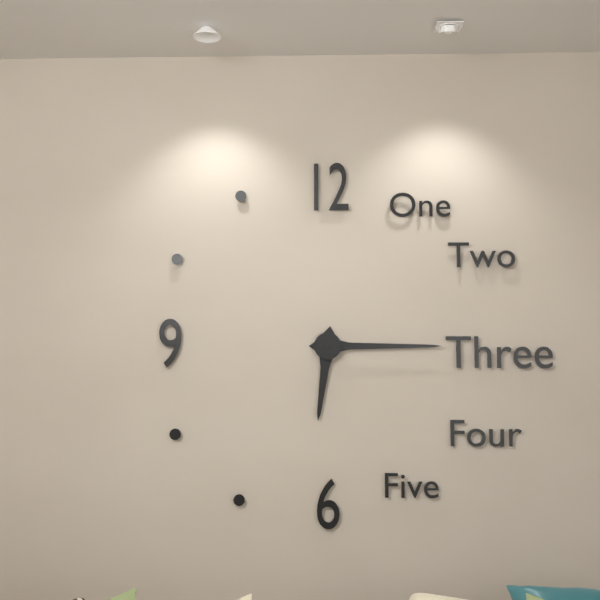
6:15
